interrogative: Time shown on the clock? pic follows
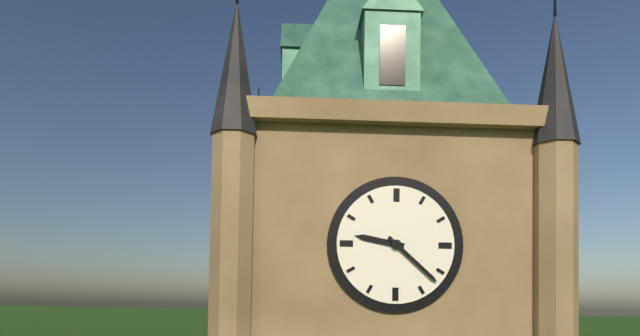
9:22
